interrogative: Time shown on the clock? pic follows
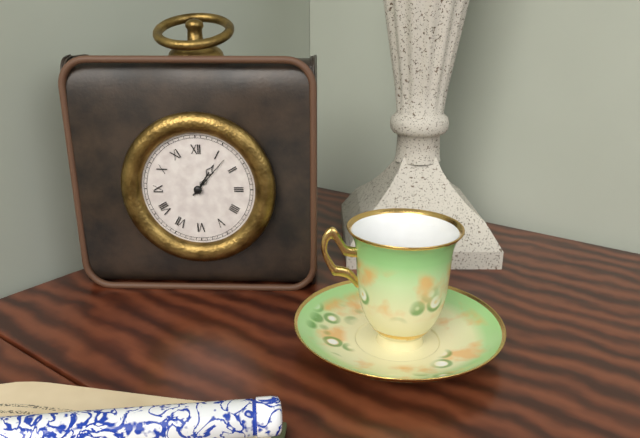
1:07
